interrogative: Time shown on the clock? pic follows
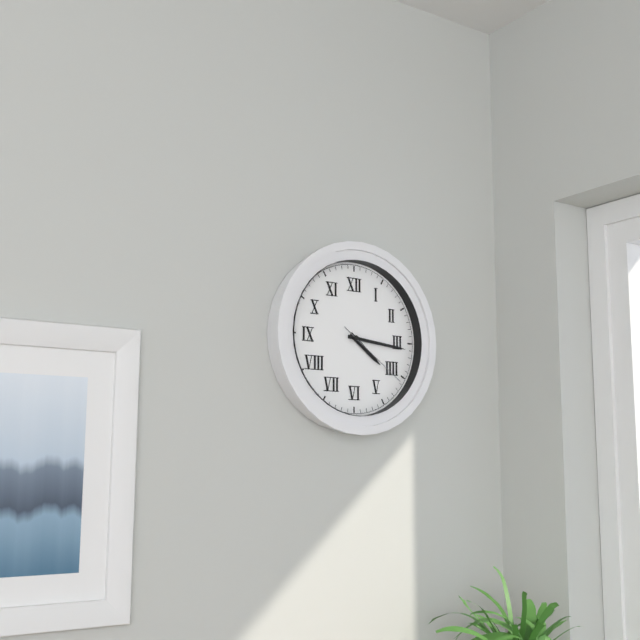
4:16:21
